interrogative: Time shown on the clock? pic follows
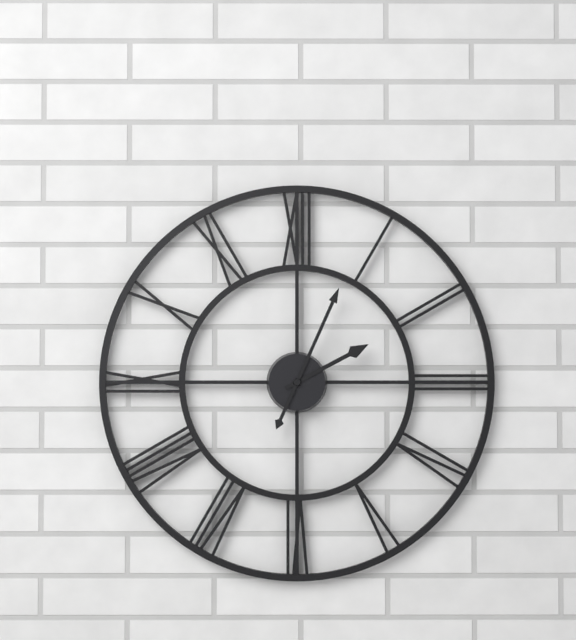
2:04
